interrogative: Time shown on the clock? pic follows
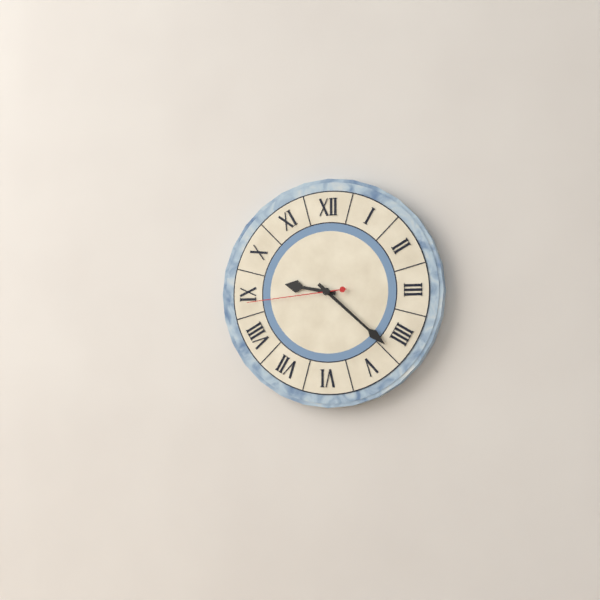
9:22:44
